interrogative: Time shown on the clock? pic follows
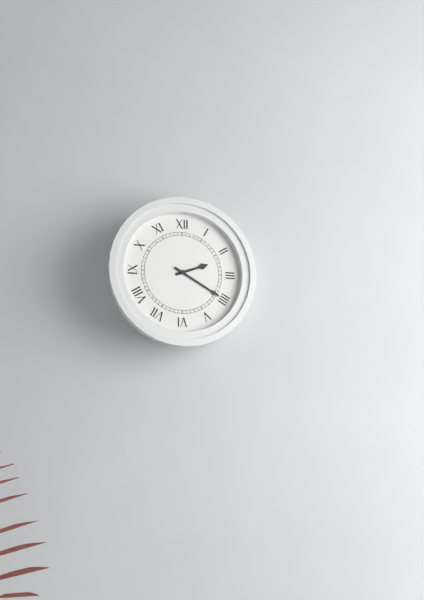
2:20
